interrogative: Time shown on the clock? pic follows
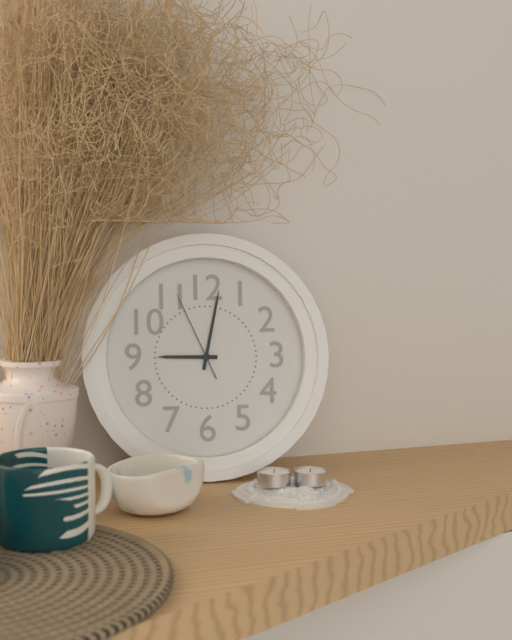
9:02:56
